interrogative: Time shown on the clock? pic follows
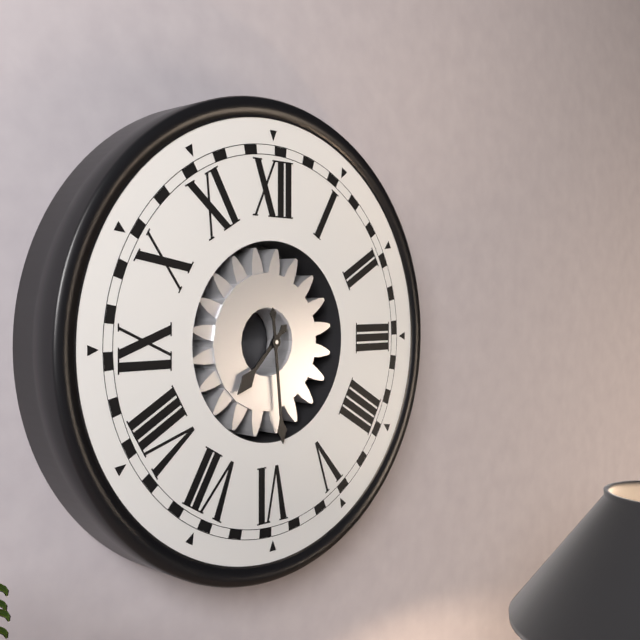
7:29
